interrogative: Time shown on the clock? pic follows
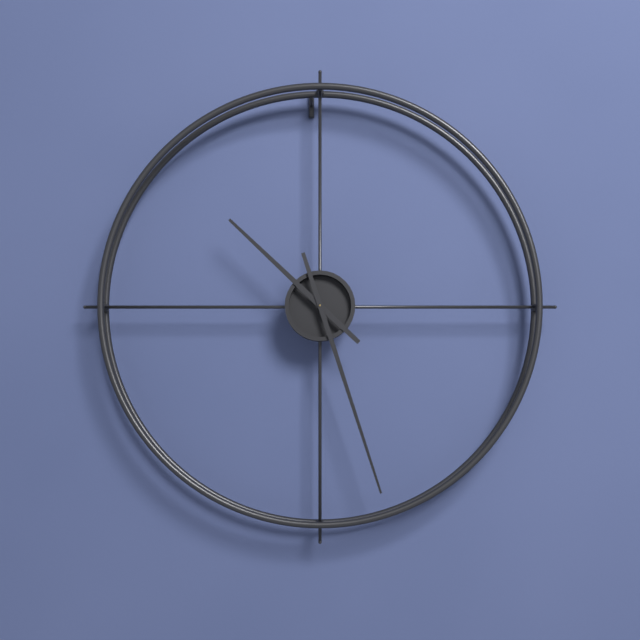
10:27
